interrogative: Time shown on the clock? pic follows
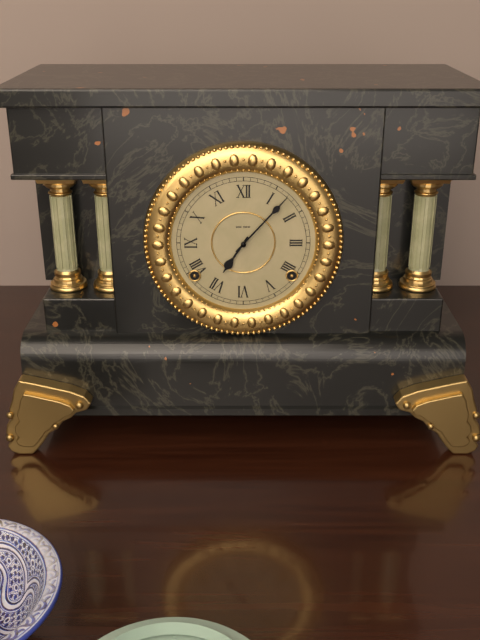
7:07
